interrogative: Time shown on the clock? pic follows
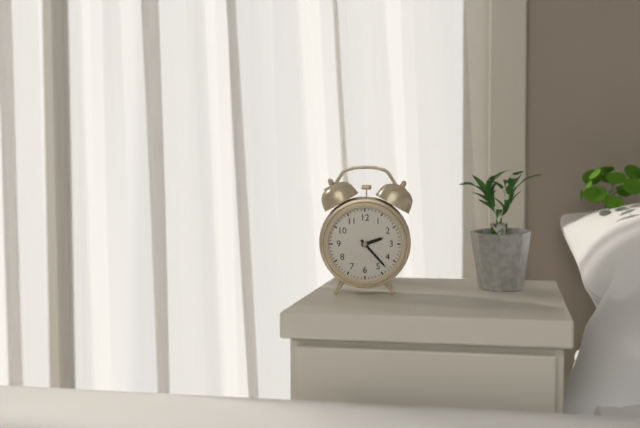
2:23
